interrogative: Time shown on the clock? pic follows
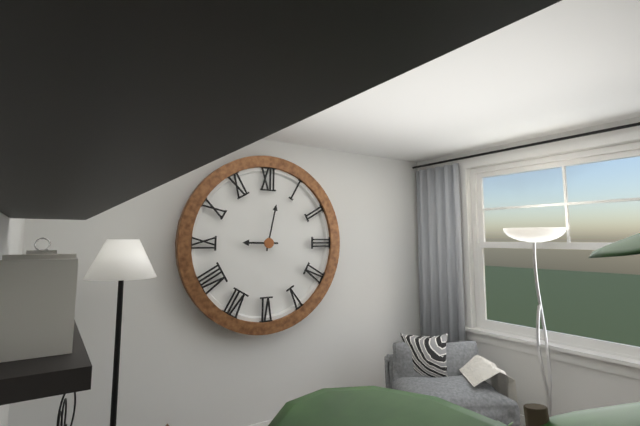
9:02
